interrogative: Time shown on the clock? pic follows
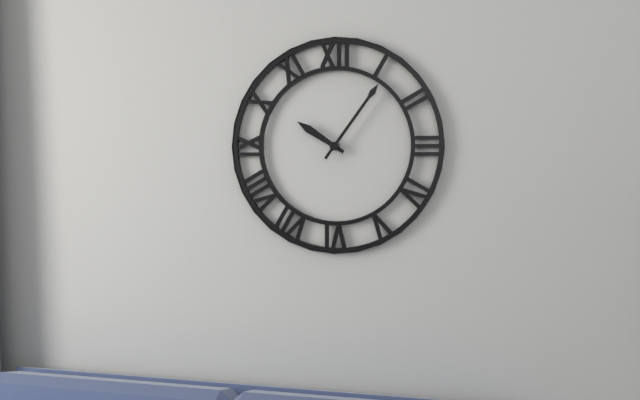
10:06
